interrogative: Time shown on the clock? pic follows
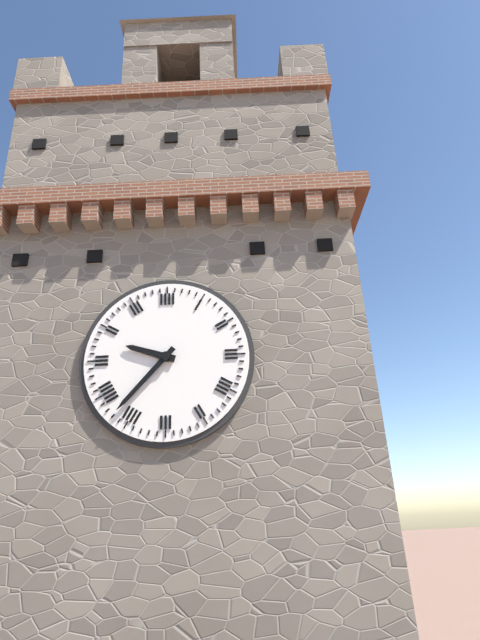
9:37
